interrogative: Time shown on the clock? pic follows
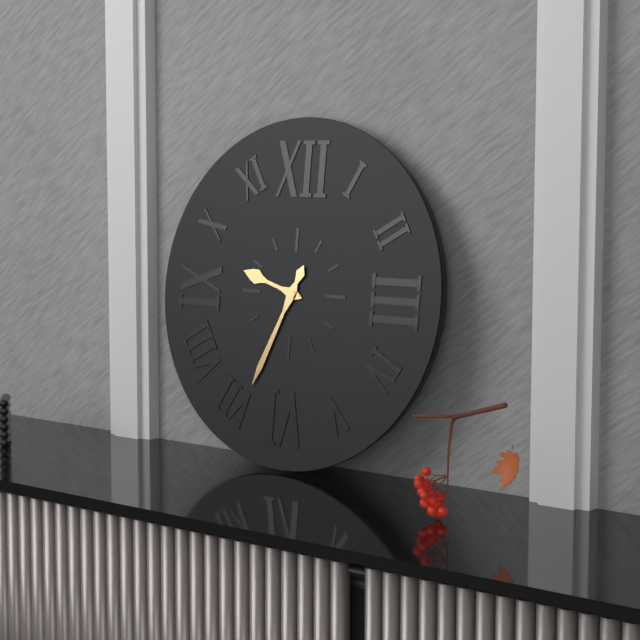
9:34
